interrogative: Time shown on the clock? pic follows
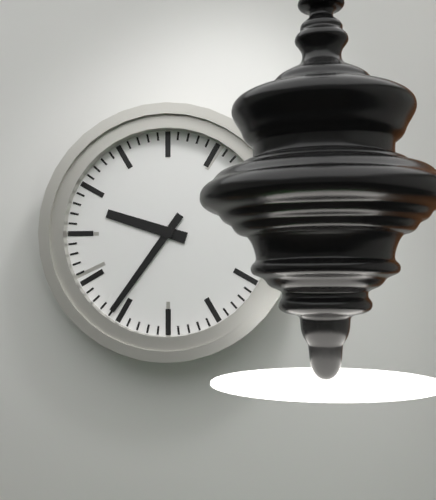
9:36
